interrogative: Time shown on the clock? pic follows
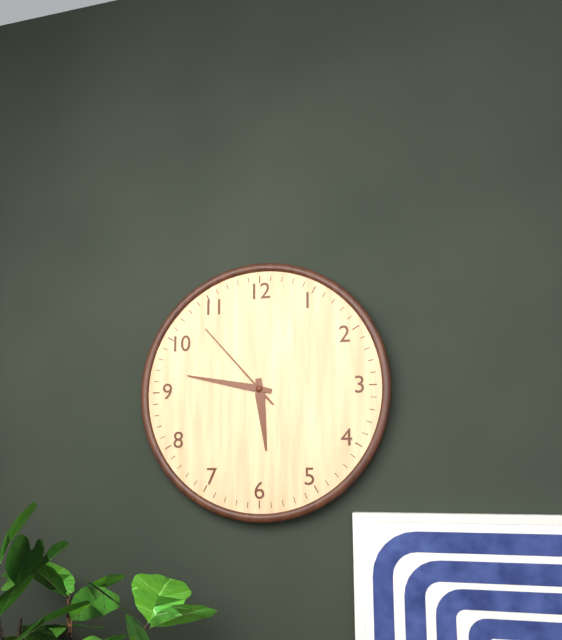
5:47:53
